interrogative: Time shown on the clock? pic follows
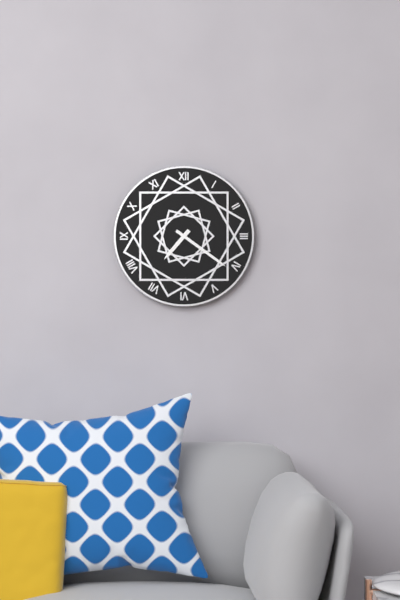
7:21
